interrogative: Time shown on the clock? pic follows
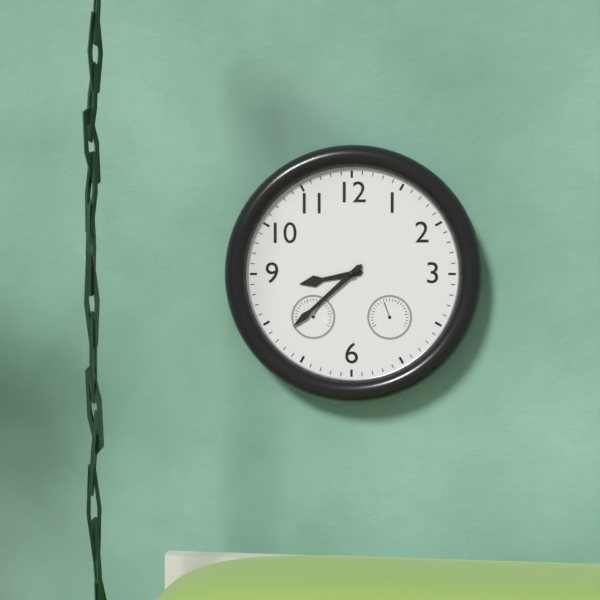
8:38
